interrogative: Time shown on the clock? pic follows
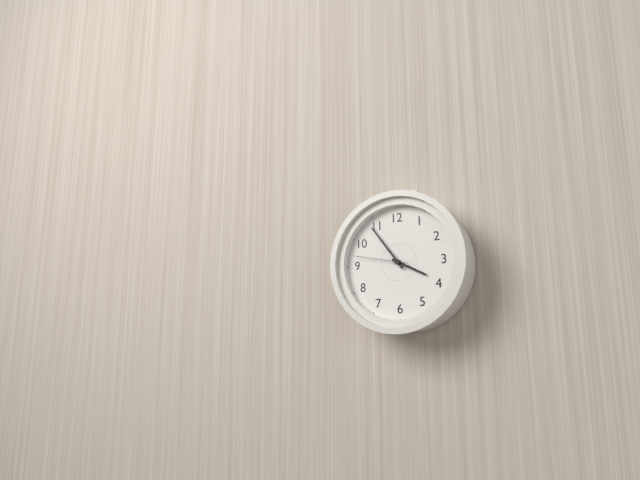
3:54:47
